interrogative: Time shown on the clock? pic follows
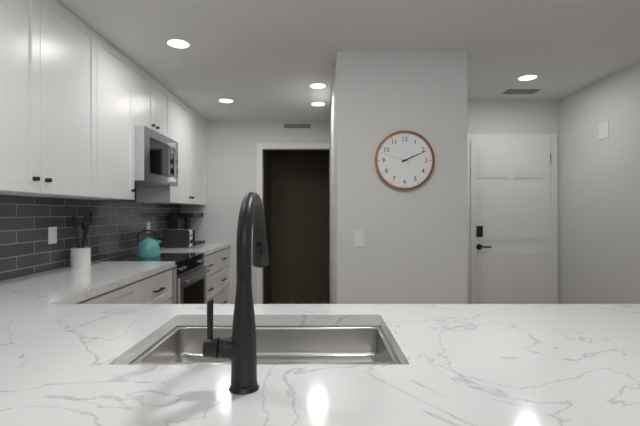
2:11
